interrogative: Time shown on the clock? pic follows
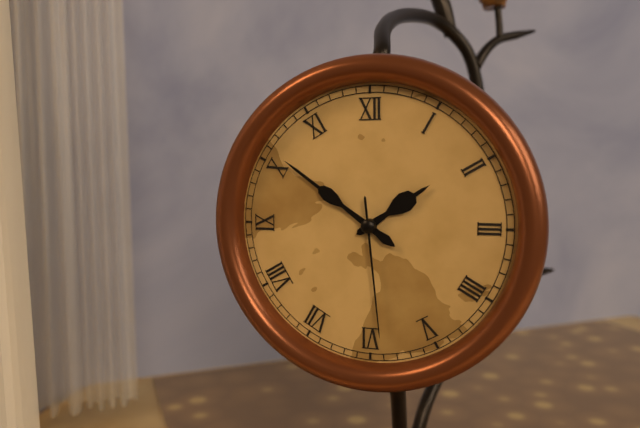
1:51:29
